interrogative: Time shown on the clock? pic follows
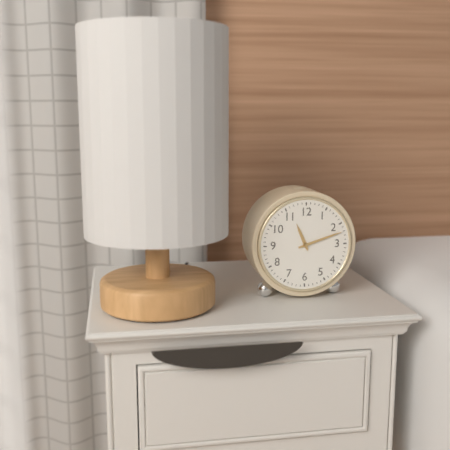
11:12
